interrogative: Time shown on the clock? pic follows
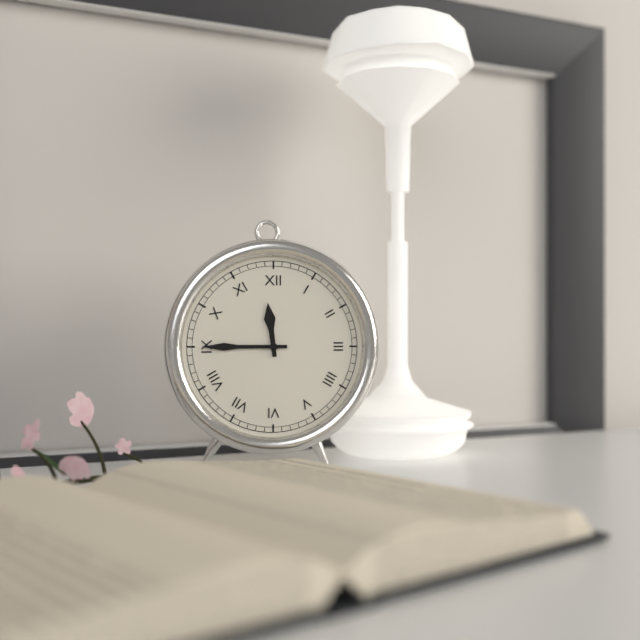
11:45
